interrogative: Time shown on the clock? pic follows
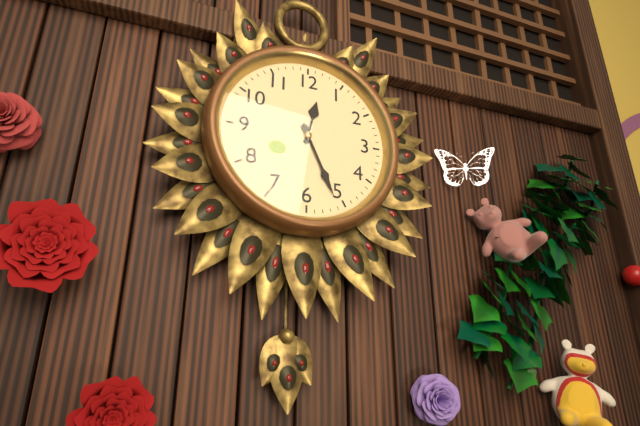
12:26
